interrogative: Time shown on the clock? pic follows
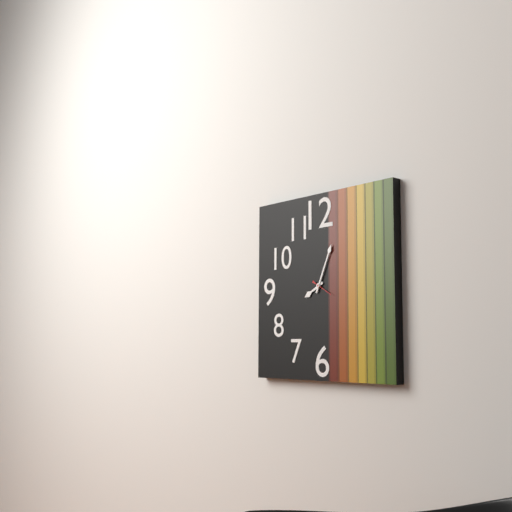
8:04
